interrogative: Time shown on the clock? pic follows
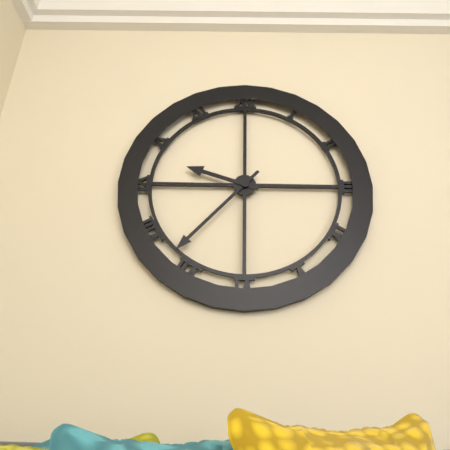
9:37
